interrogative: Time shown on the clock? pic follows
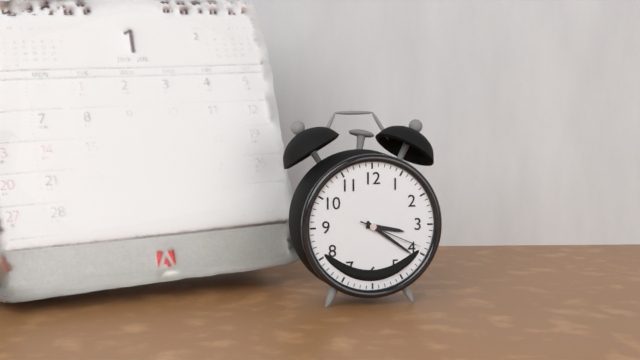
3:21:19
